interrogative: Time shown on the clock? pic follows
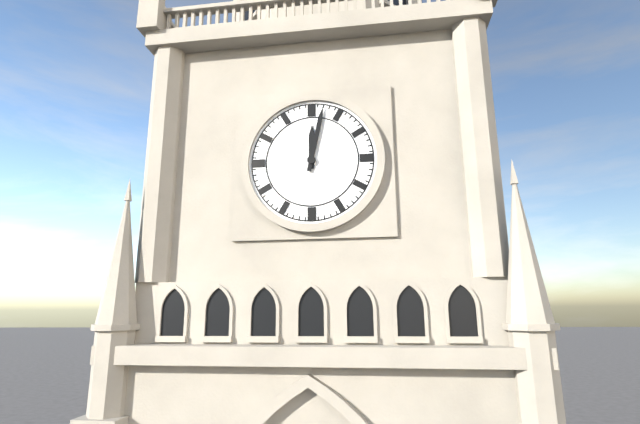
12:02
